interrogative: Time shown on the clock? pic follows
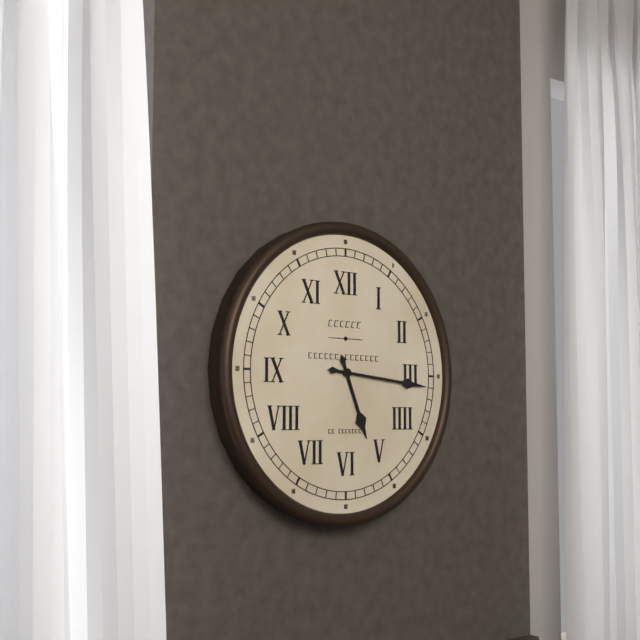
5:16
